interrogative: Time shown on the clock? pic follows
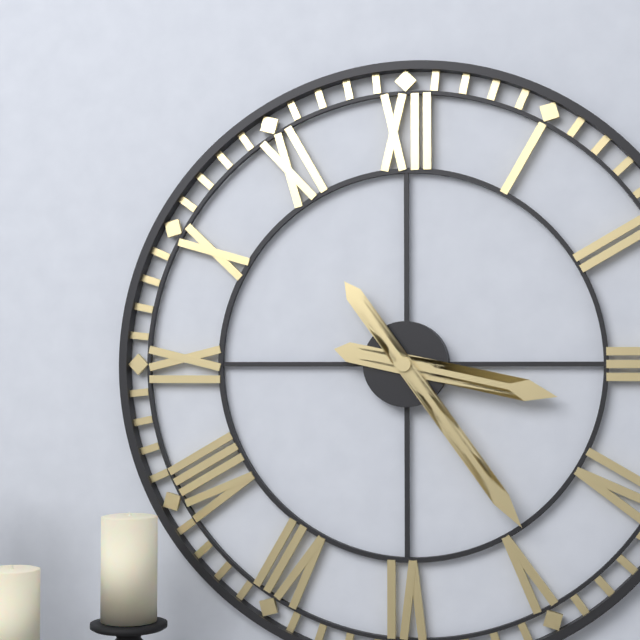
3:24
